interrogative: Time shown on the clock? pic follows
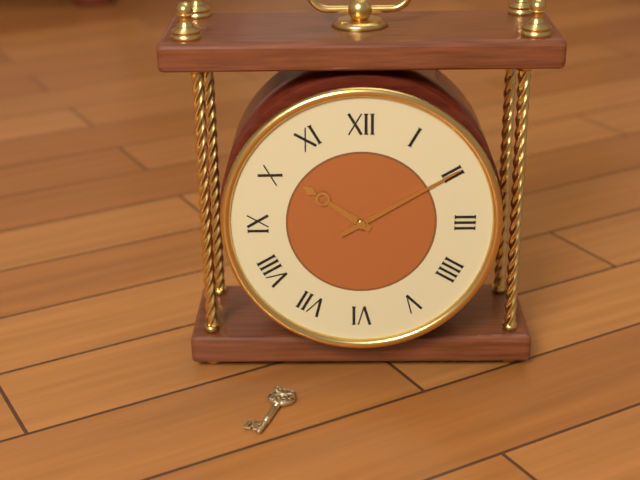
10:10
